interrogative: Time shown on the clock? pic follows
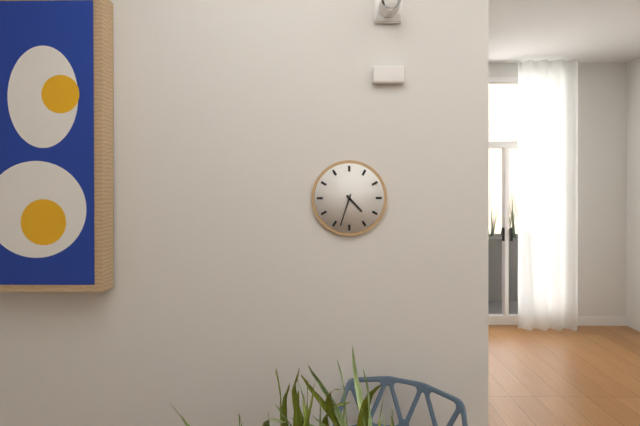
4:33
